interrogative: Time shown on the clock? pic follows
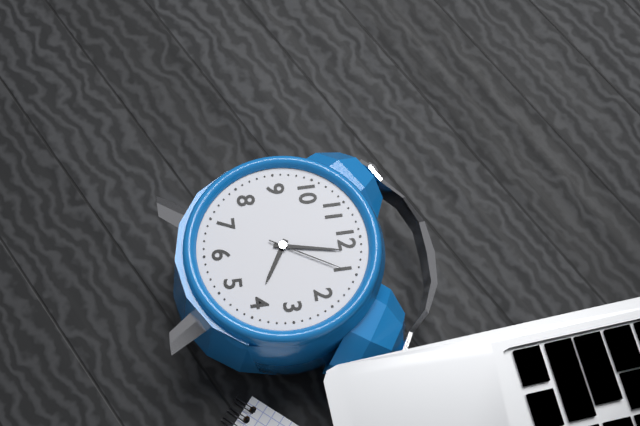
4:02:05
